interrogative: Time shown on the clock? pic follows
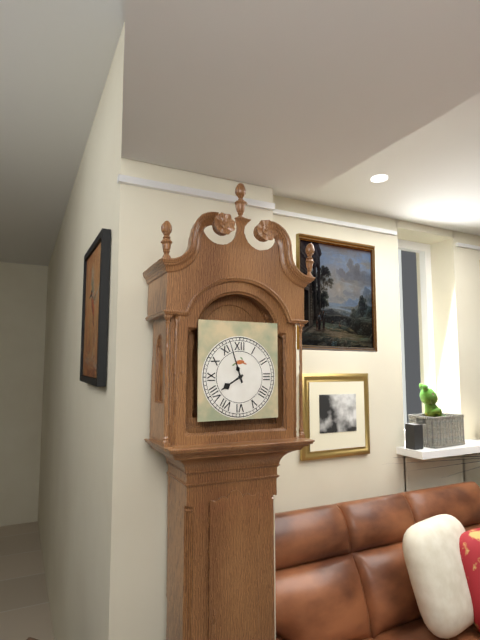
7:57
